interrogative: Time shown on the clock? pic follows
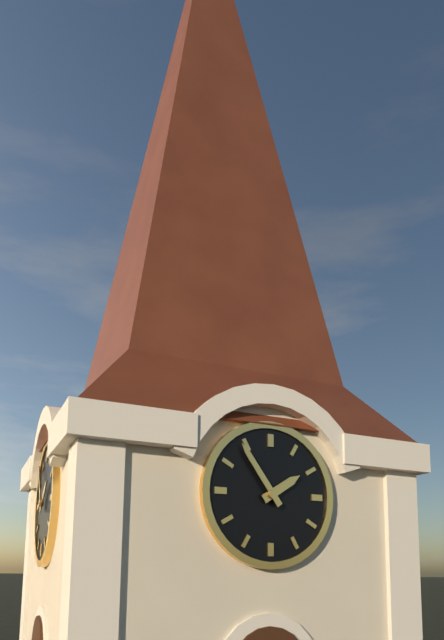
1:54
